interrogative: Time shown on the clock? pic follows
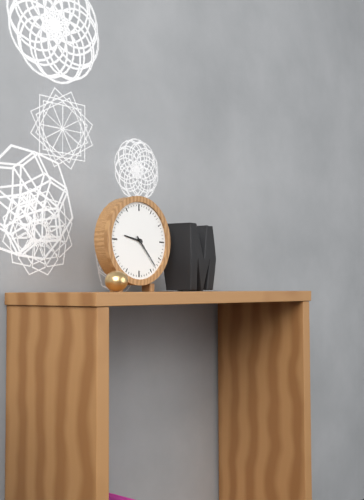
9:23
